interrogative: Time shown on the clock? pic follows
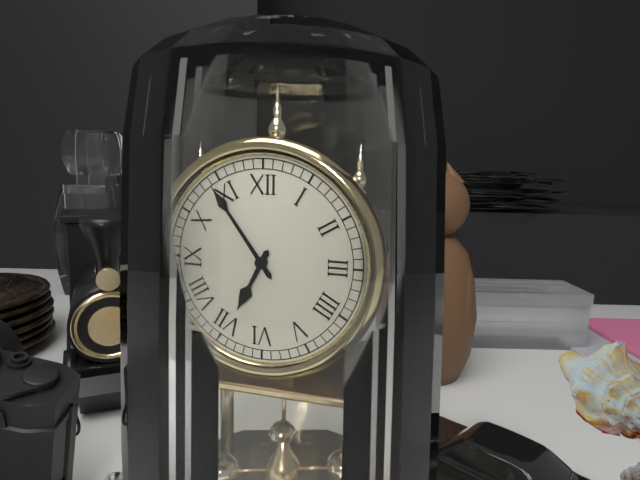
6:54
